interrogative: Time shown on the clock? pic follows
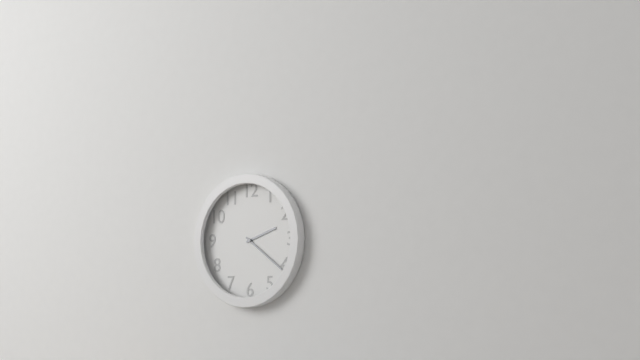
2:21
